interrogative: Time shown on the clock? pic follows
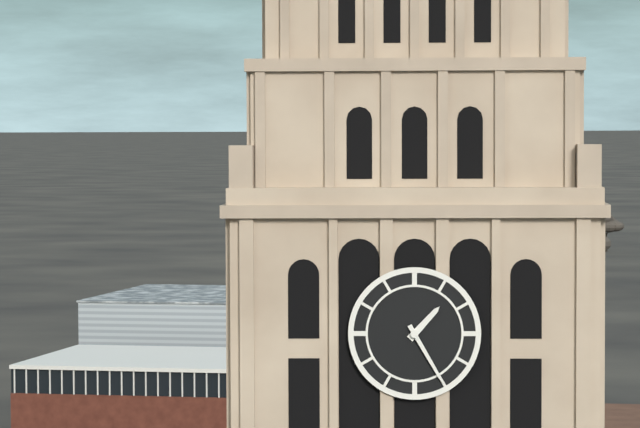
1:25
